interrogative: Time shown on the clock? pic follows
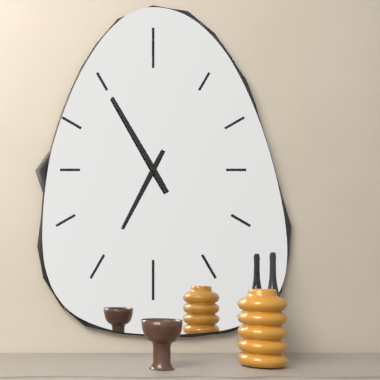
6:55
